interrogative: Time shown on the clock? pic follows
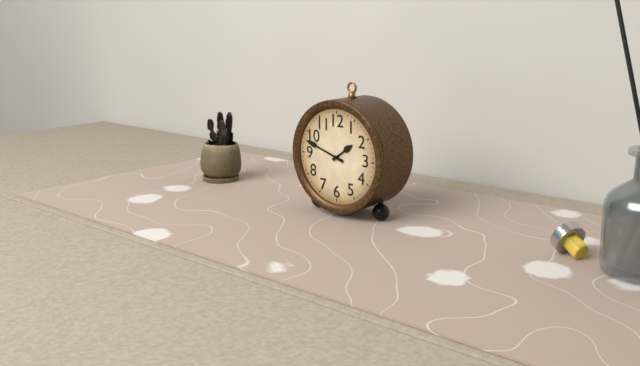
1:48
